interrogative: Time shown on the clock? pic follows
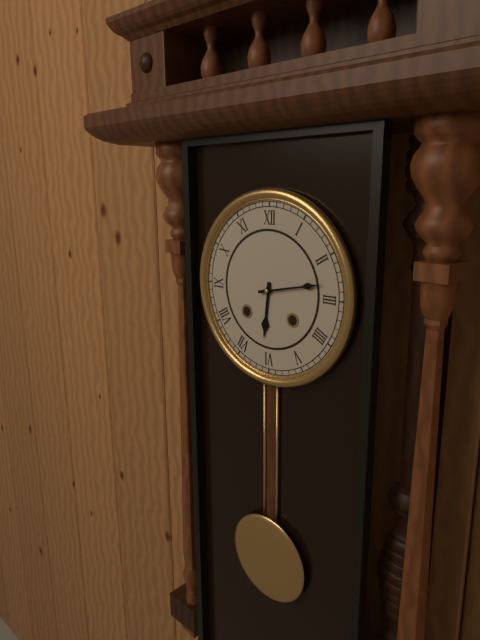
6:13
